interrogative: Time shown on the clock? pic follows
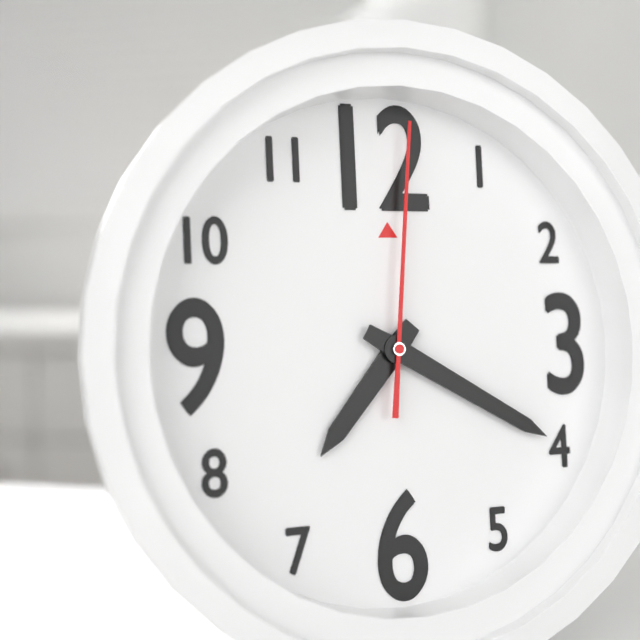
7:20:01
